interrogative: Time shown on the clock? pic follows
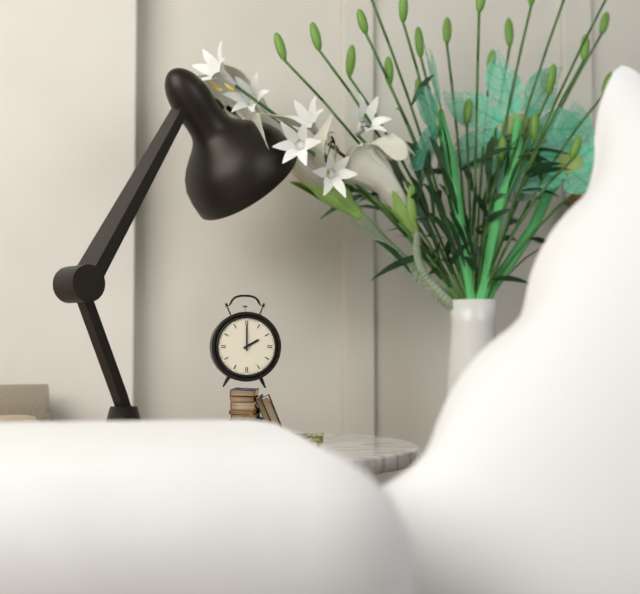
2:00
